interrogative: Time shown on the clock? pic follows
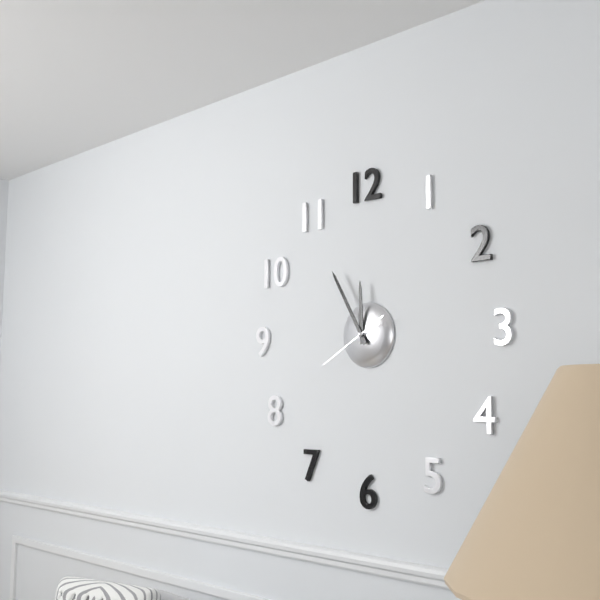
11:55:40
